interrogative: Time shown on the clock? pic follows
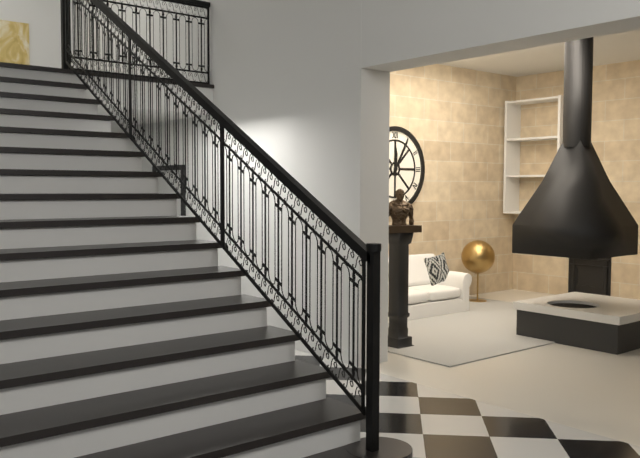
12:05
